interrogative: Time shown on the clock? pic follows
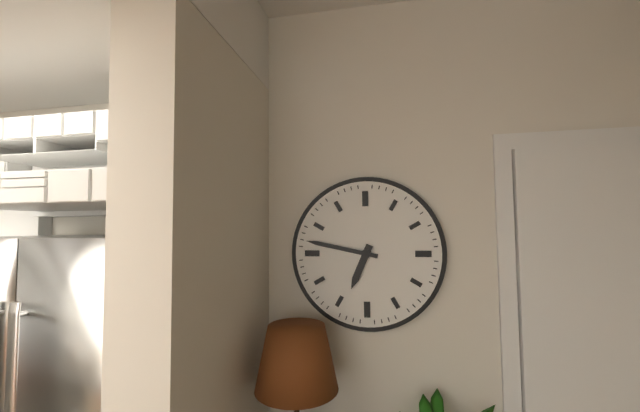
6:47
